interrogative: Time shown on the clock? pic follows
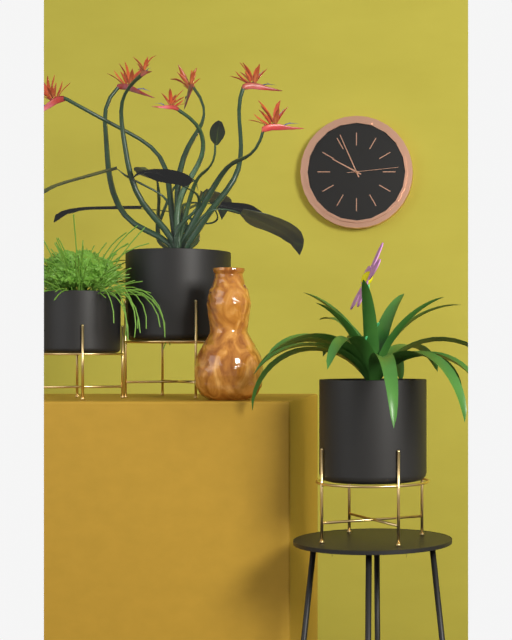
9:56:14
